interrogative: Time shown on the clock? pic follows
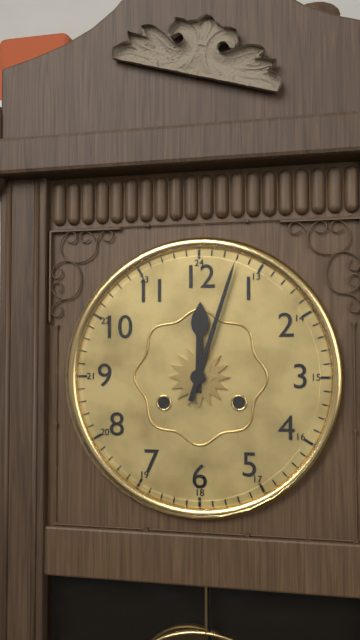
12:03
